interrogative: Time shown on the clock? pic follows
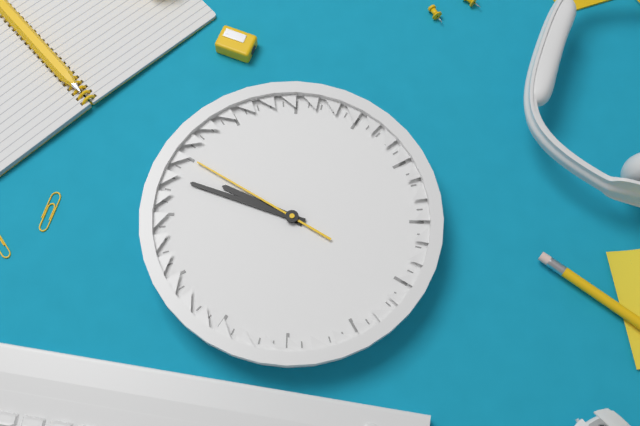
9:48:50
